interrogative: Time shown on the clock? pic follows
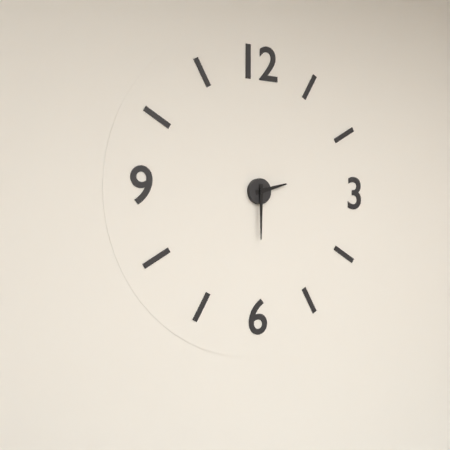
2:30
